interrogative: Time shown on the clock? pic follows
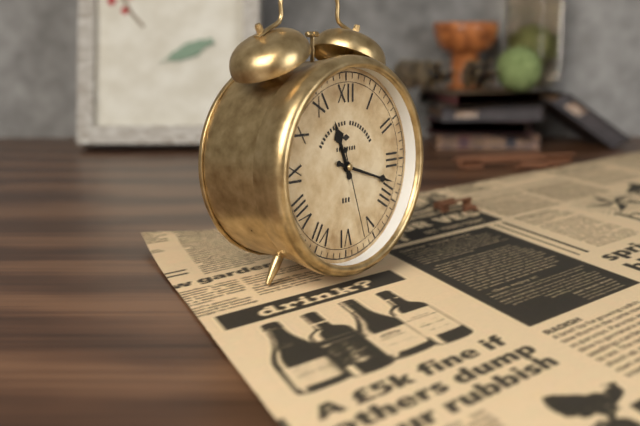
11:18:27
